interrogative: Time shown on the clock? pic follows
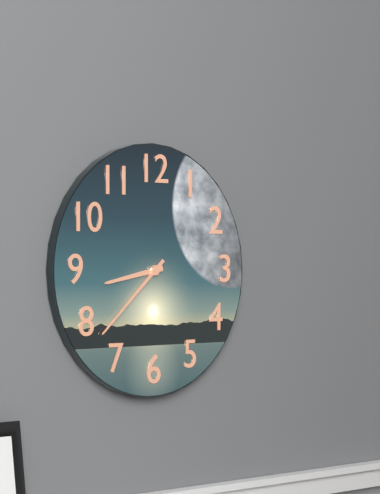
8:38
